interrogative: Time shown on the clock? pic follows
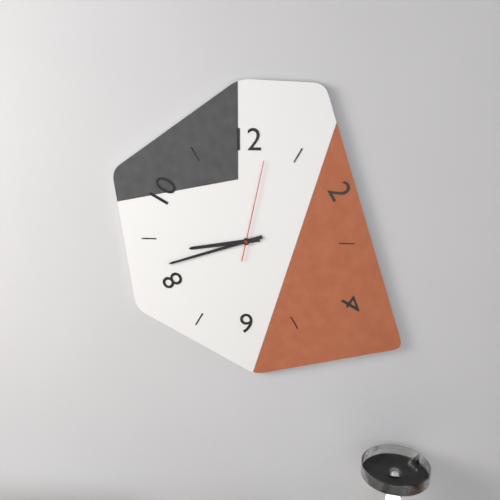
8:42:02
